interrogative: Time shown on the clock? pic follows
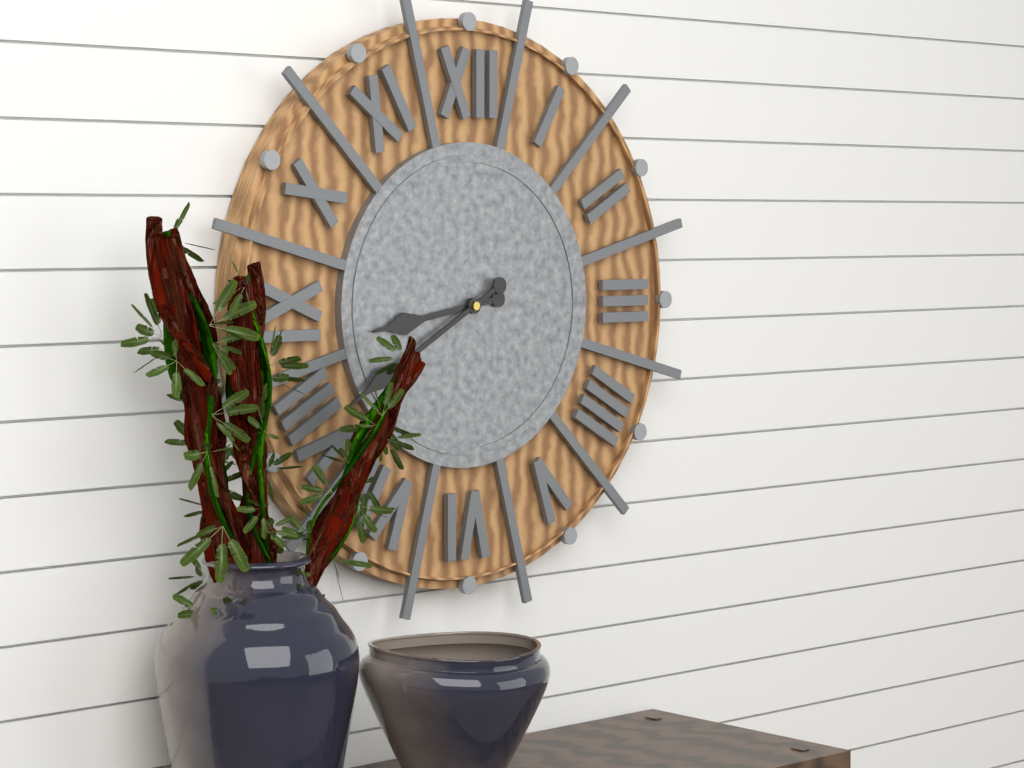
8:40
